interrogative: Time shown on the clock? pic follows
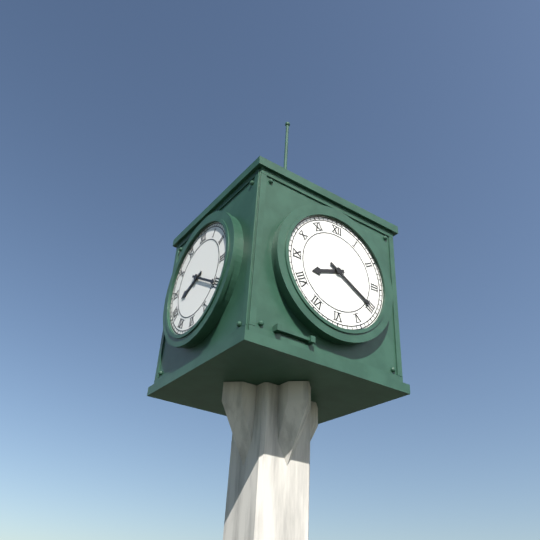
8:20
